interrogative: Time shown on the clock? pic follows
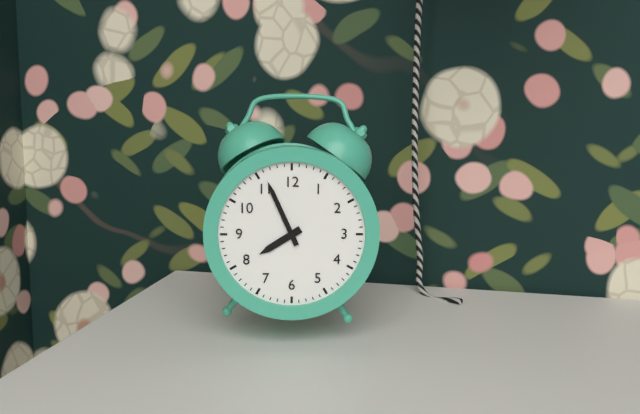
7:56
